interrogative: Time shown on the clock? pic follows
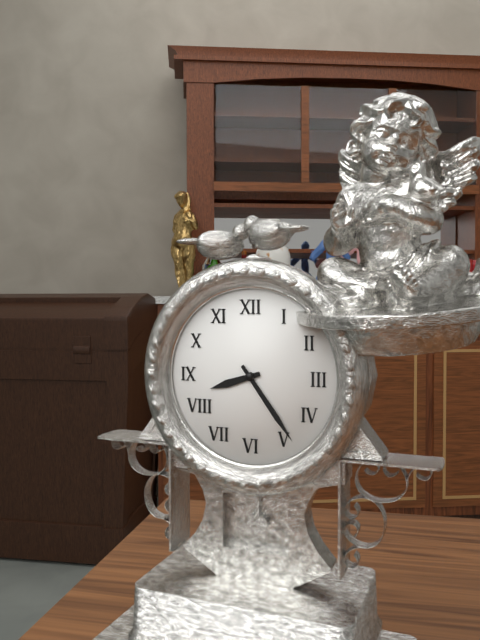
8:24
